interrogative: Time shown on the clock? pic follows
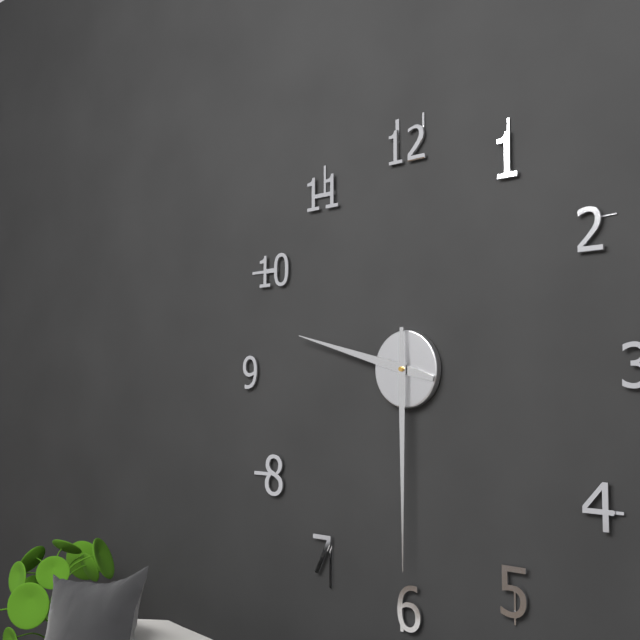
9:30
